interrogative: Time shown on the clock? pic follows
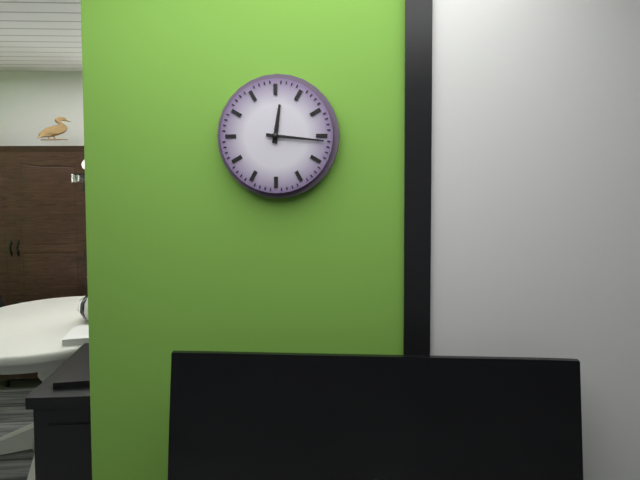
12:16
